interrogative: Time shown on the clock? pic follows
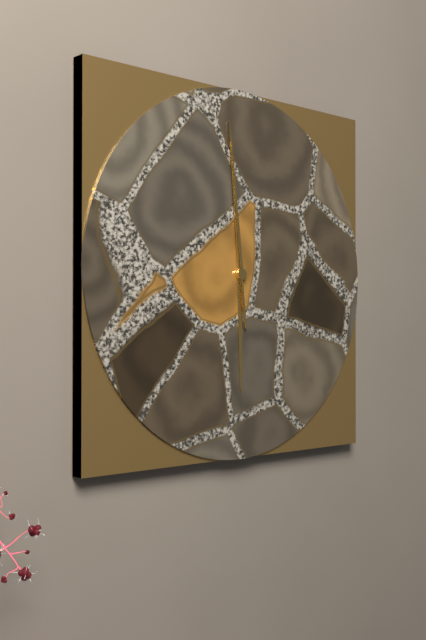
5:59:59
